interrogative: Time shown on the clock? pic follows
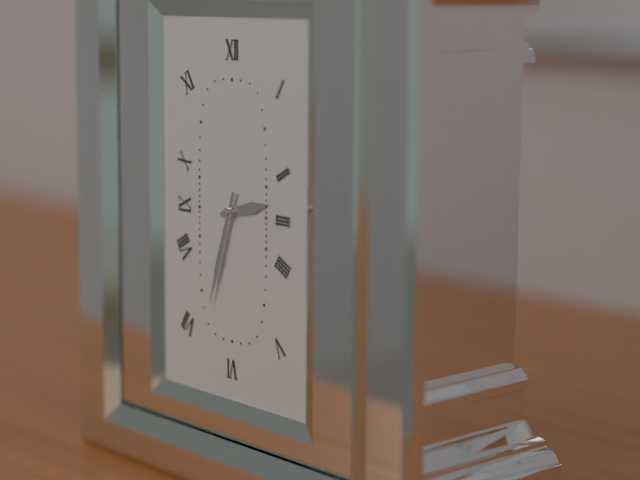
2:33
